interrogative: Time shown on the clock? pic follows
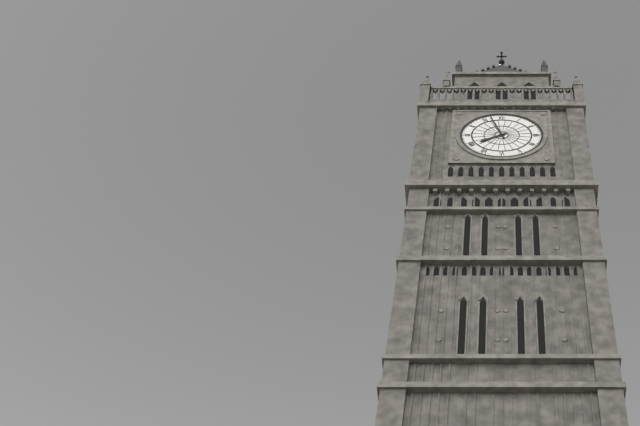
7:57
